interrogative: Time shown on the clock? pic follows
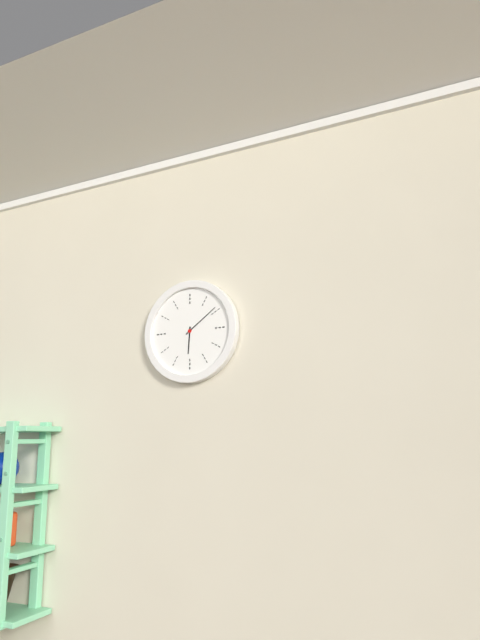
6:09
